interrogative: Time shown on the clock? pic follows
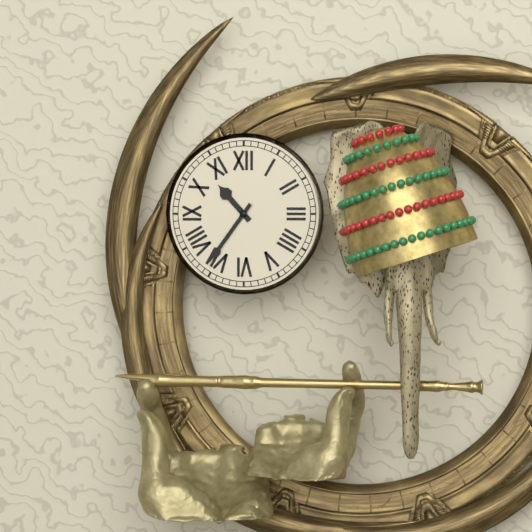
10:36
